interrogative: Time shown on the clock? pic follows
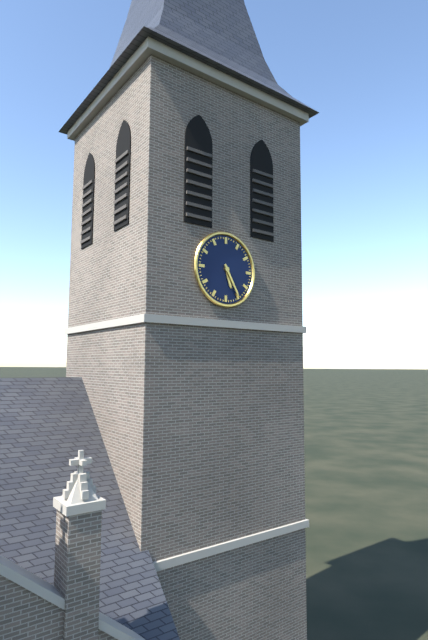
5:25
